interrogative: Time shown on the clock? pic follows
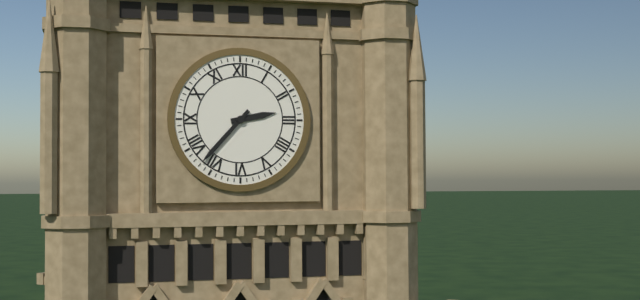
2:37
